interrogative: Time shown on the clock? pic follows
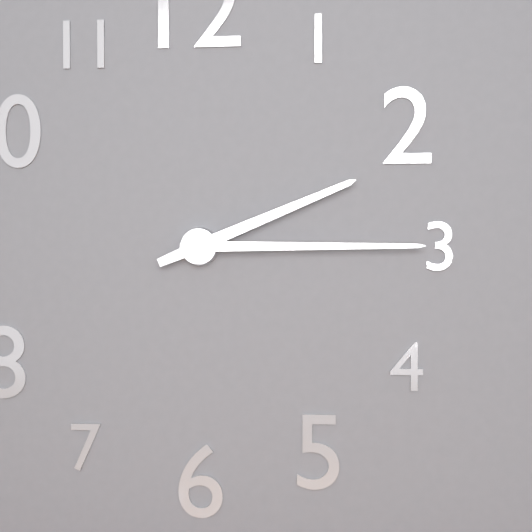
2:15
